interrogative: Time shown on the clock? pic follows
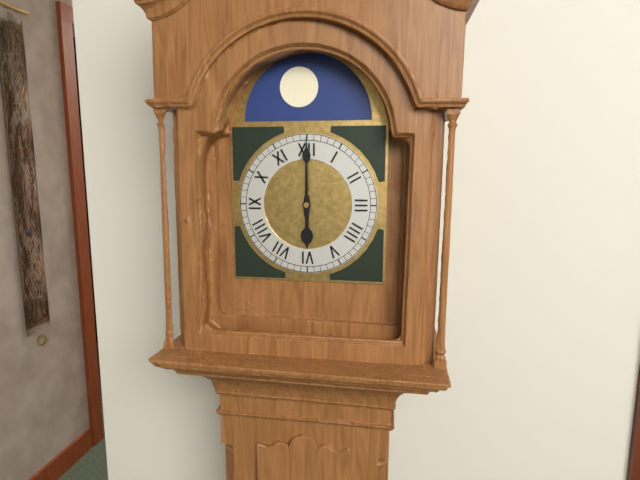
6:00
